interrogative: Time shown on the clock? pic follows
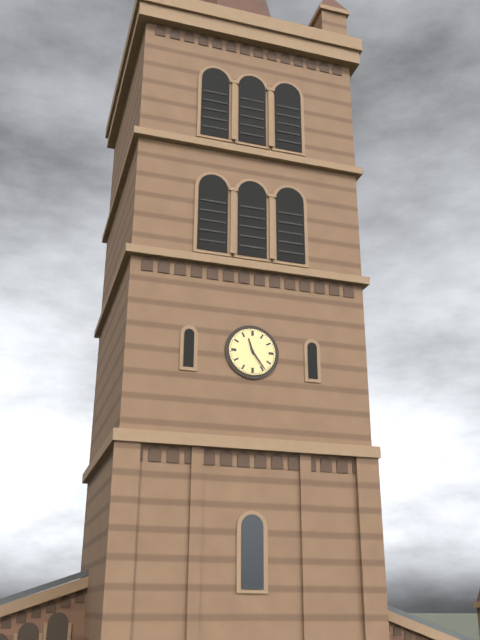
11:24
